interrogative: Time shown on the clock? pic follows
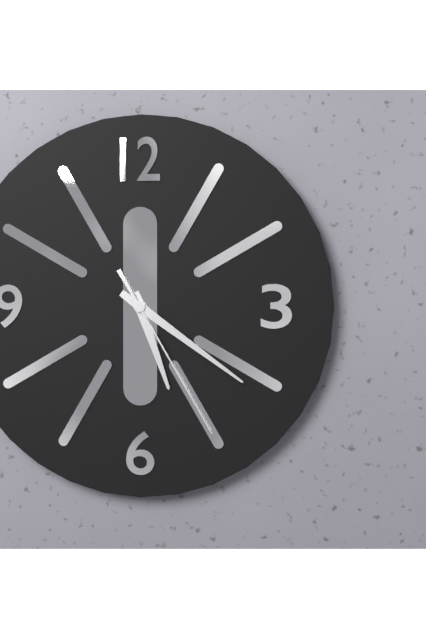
5:21:25
